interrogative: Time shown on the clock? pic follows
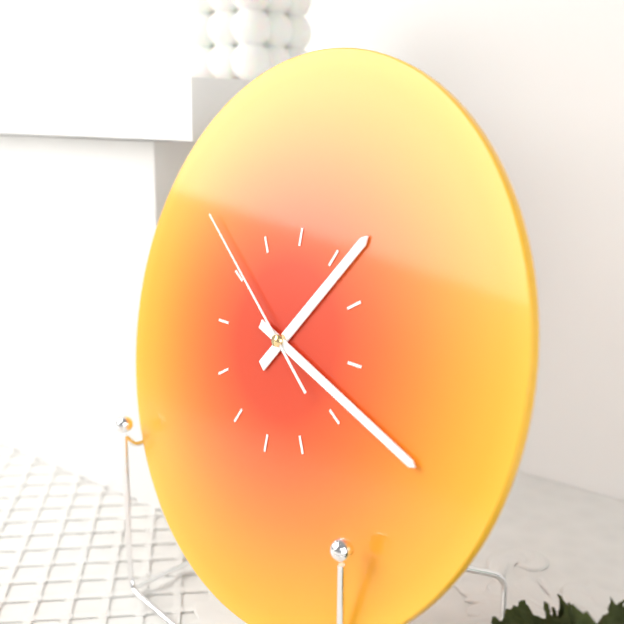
1:18:51
